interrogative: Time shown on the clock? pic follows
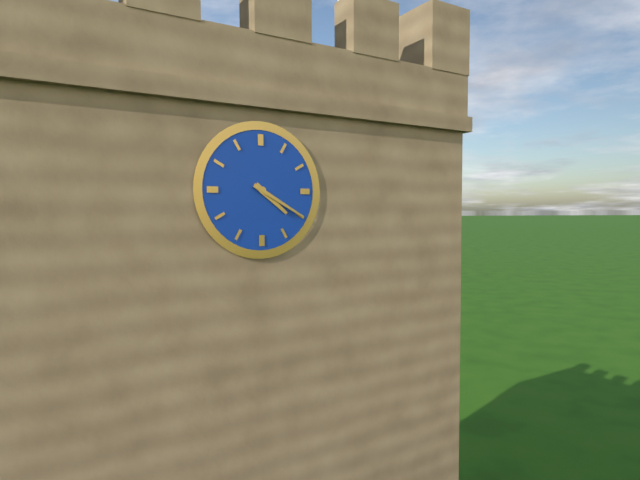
4:20
